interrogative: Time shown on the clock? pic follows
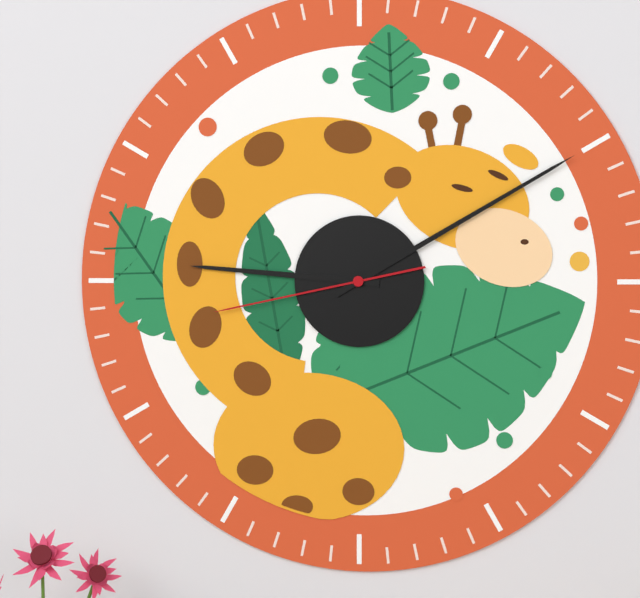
9:10:43
